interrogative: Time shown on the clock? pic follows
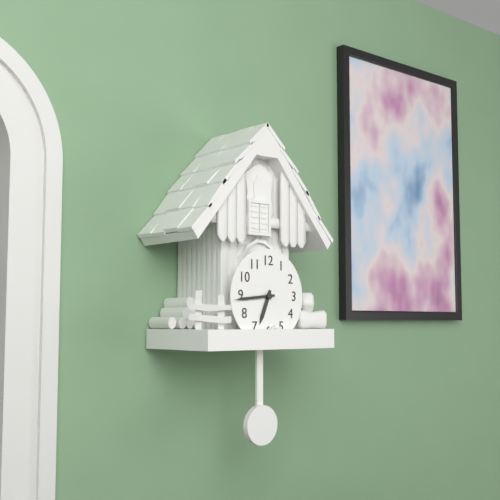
6:44
